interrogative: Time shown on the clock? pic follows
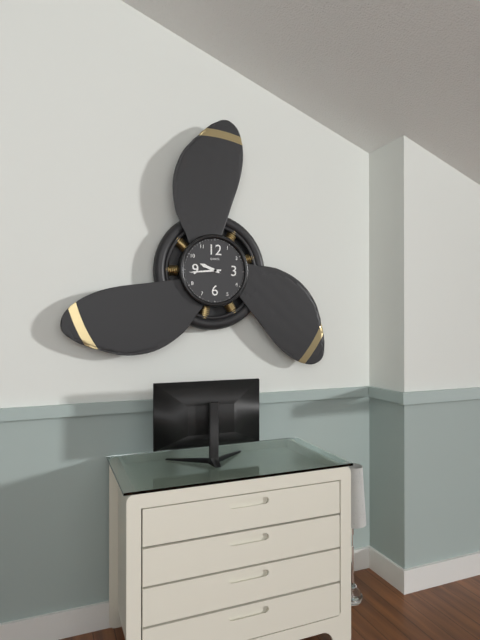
9:44
